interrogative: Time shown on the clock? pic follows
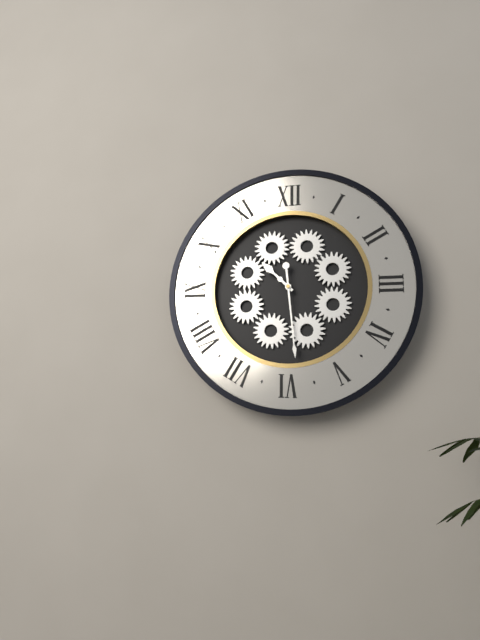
10:29
